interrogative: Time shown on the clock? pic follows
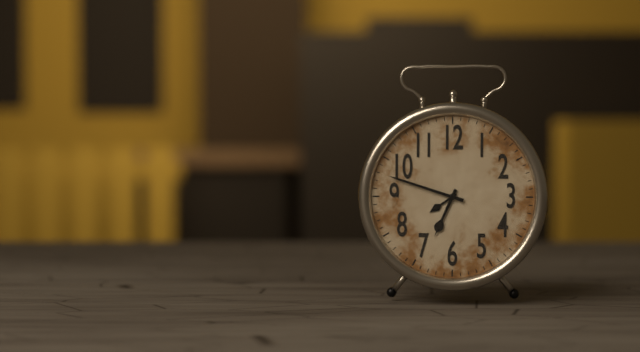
6:48
